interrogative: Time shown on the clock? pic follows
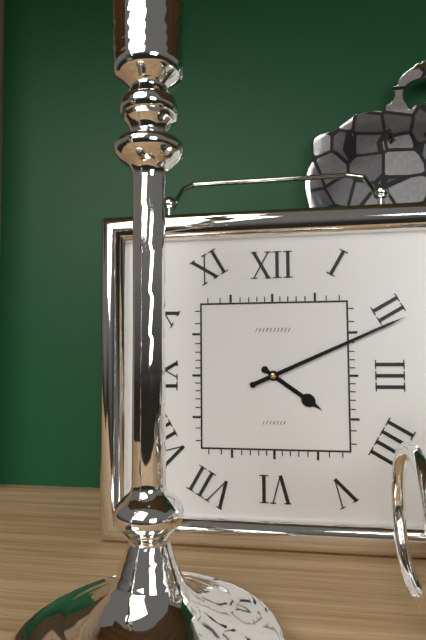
4:11
